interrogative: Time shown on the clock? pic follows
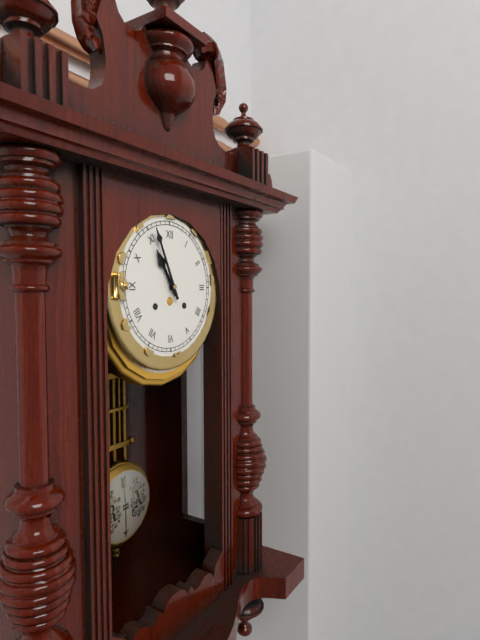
10:56
